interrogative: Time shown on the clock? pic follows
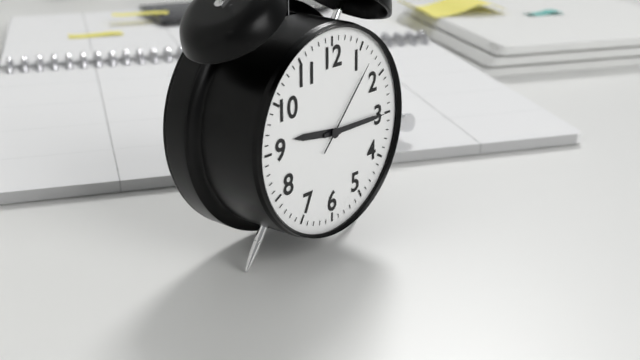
9:15:07
